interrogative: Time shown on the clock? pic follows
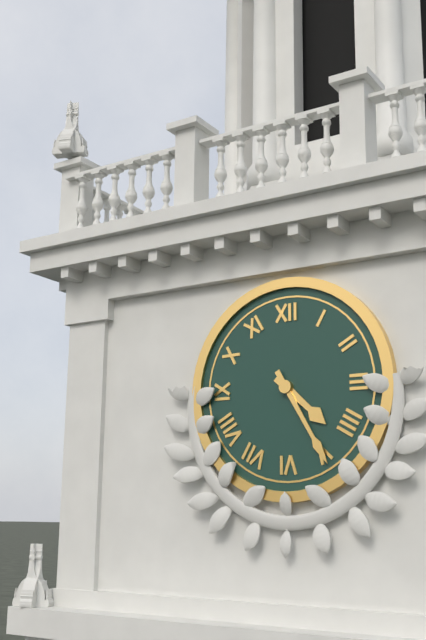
4:25
